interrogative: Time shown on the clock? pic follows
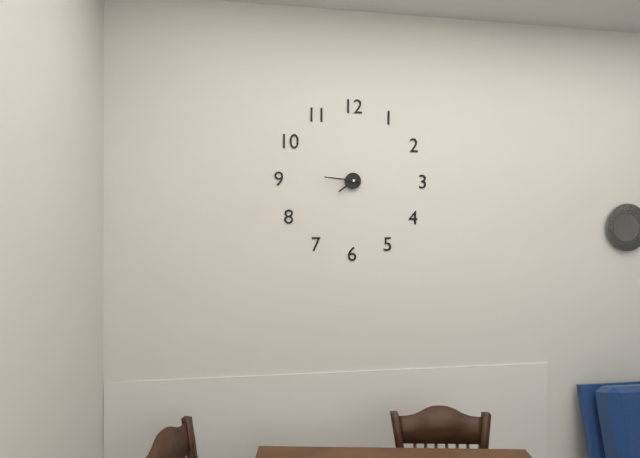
7:46
